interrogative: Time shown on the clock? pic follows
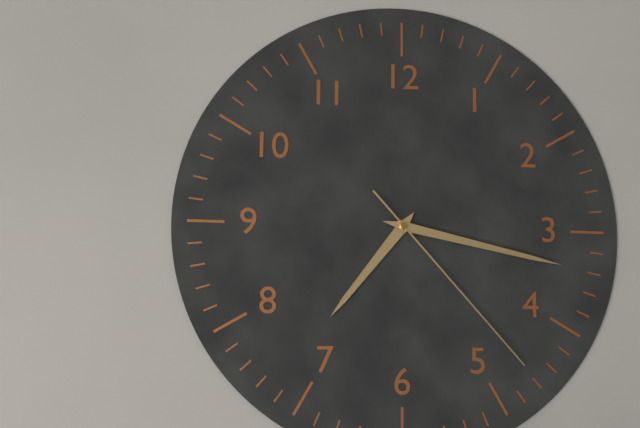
7:17:23
